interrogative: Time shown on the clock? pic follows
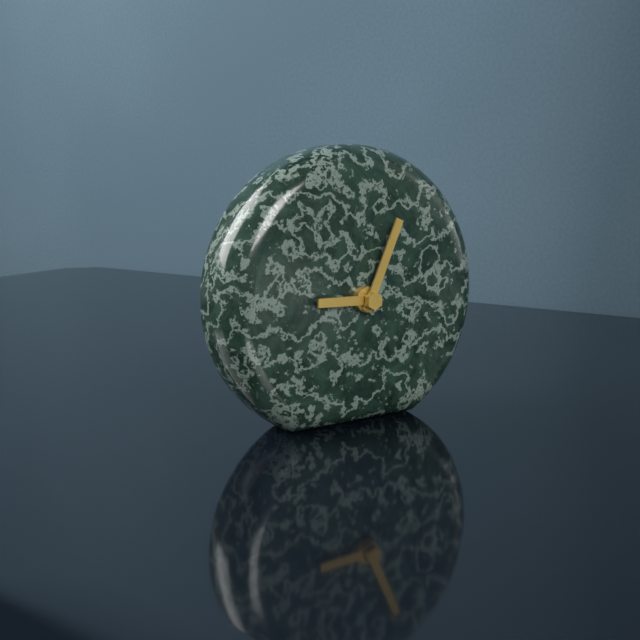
9:04
